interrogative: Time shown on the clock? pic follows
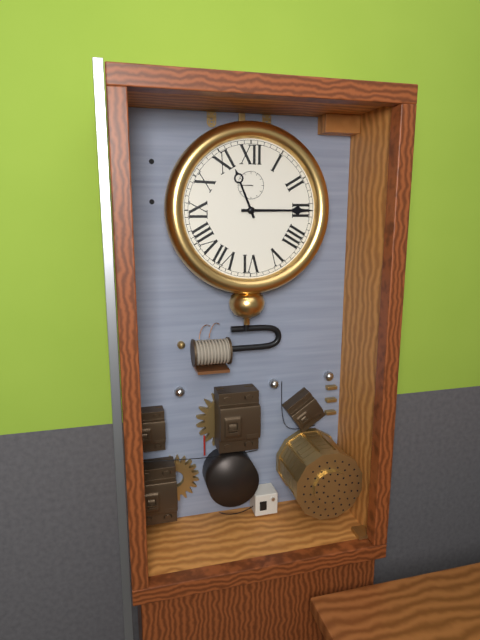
11:15
